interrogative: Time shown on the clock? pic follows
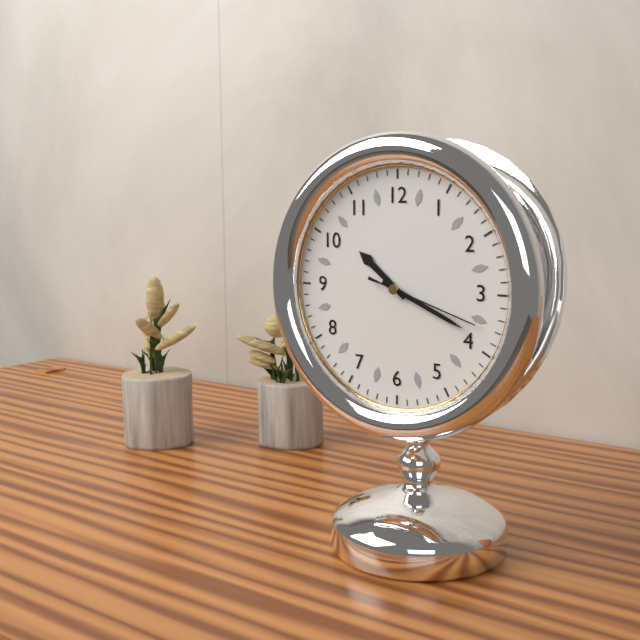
10:19:18
